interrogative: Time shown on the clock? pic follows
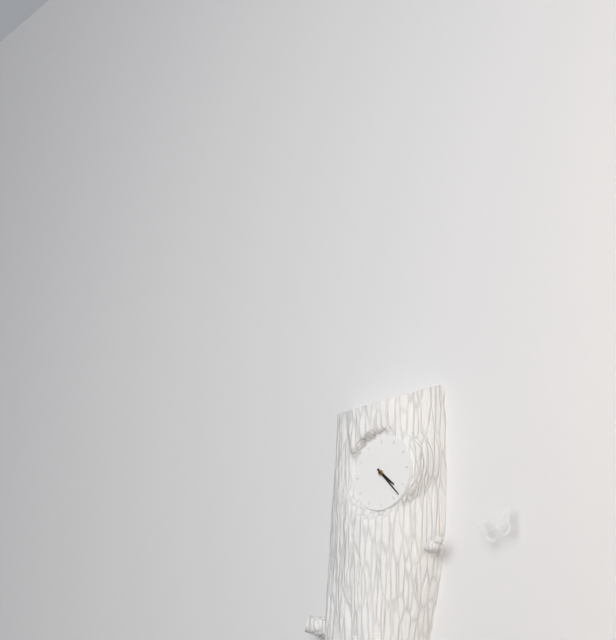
4:23
